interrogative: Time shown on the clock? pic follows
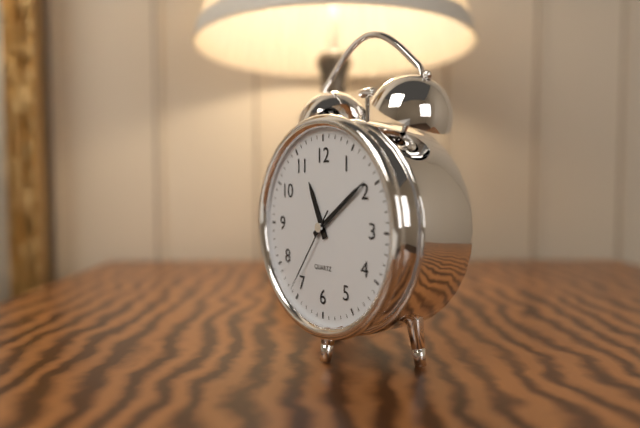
11:09:36
